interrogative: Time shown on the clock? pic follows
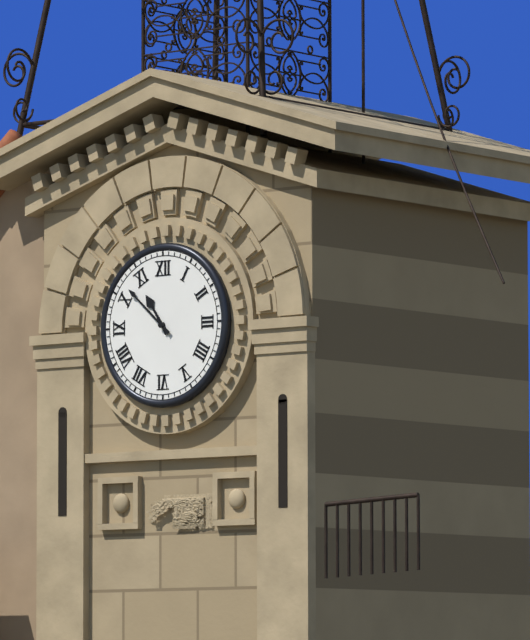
10:52
